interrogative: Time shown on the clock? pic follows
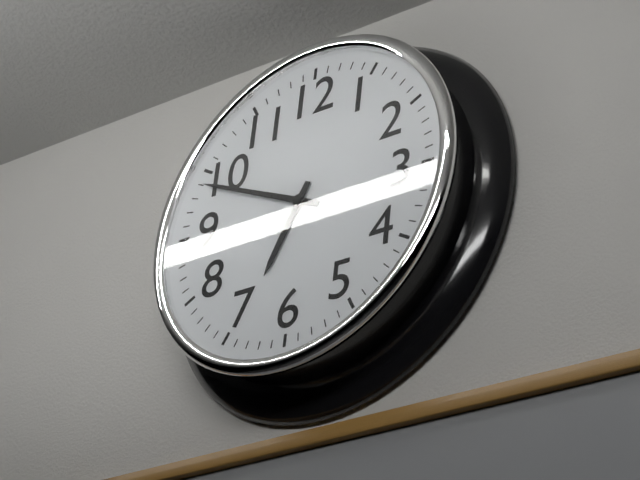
6:49
